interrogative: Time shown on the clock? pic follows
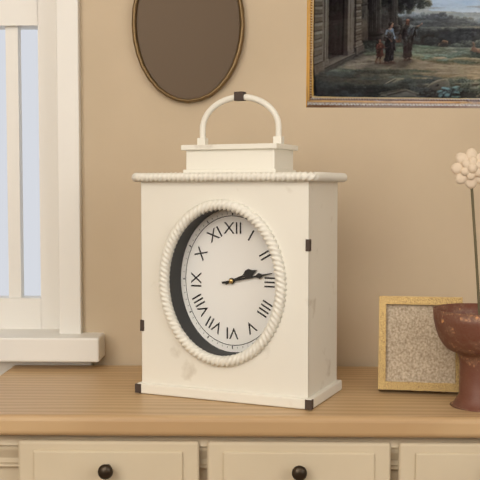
2:13
